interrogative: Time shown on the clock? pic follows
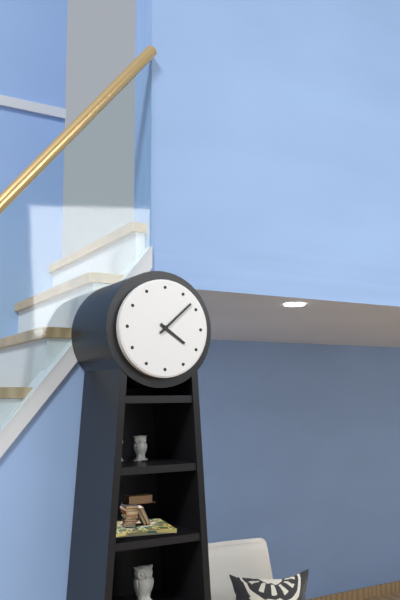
4:08
